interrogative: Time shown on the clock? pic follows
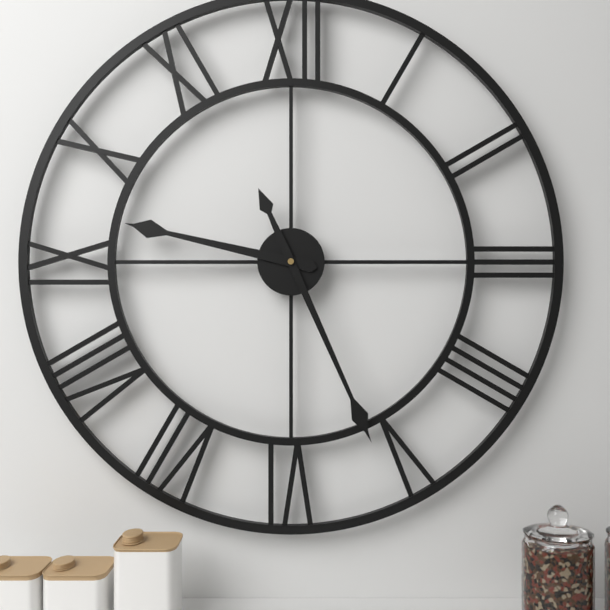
9:26
